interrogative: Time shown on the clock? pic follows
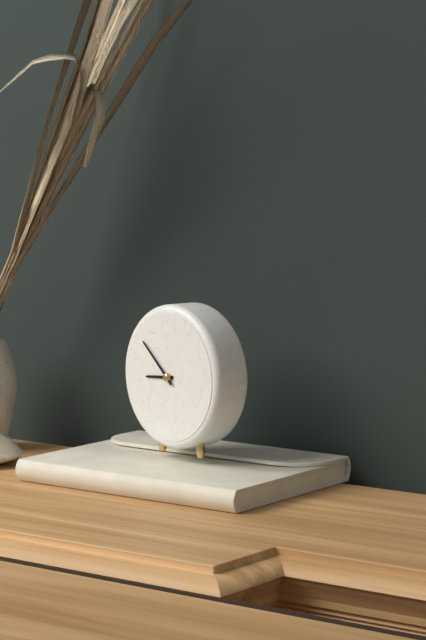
8:52
